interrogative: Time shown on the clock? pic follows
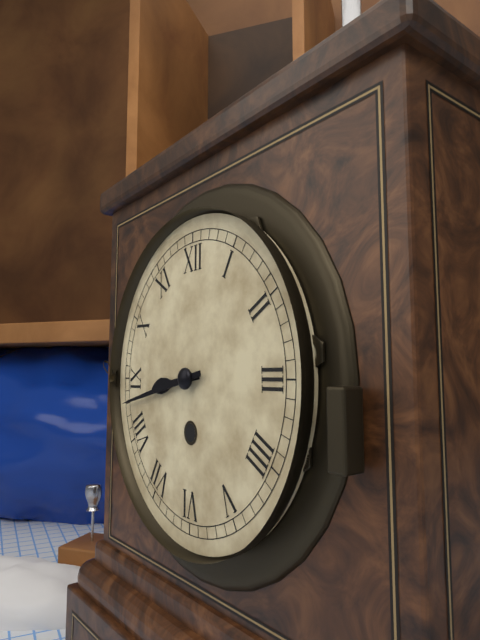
8:43
